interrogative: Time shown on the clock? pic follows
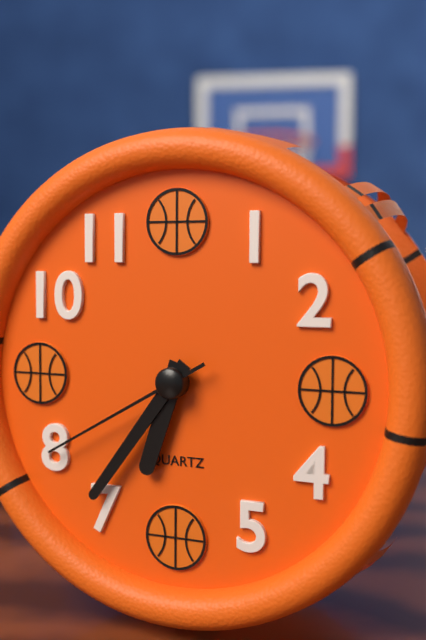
6:36:40
